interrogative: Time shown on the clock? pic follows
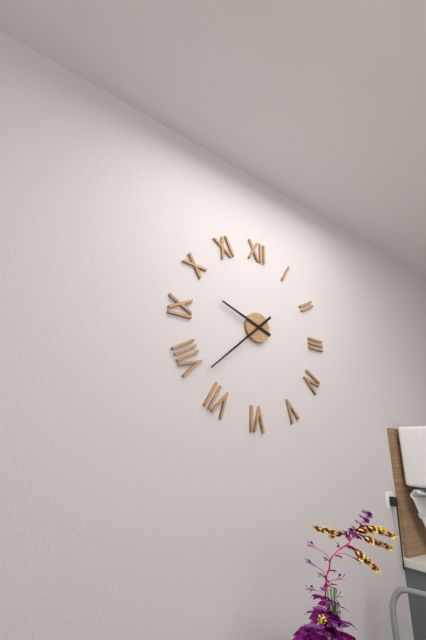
9:38
